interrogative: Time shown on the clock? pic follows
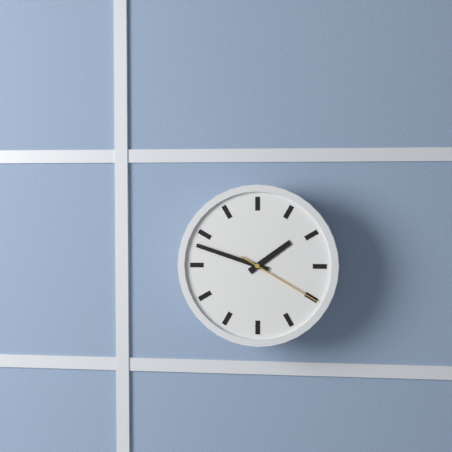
1:48:20
